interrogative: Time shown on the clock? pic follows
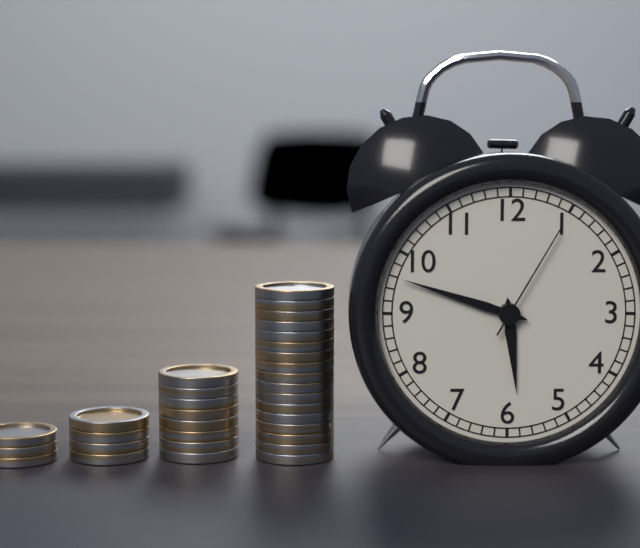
5:48:05
